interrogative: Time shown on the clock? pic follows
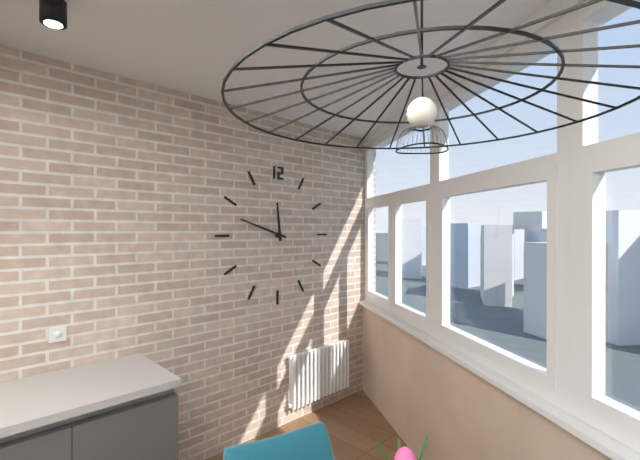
11:48
